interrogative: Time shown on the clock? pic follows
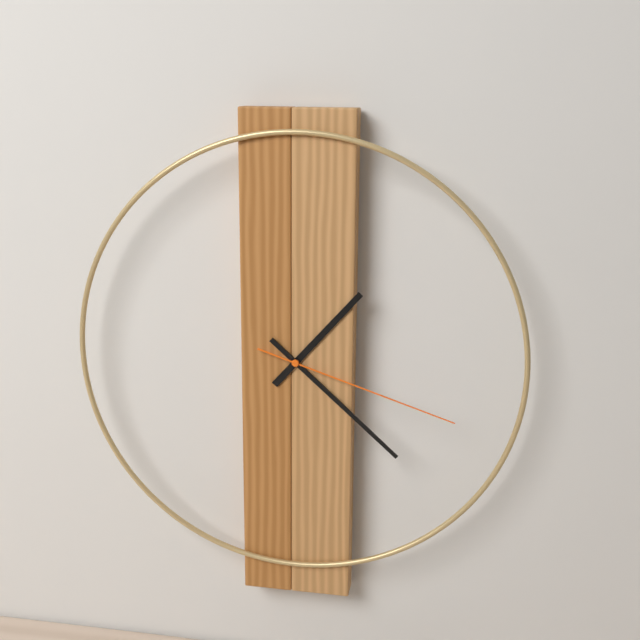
1:22:18
